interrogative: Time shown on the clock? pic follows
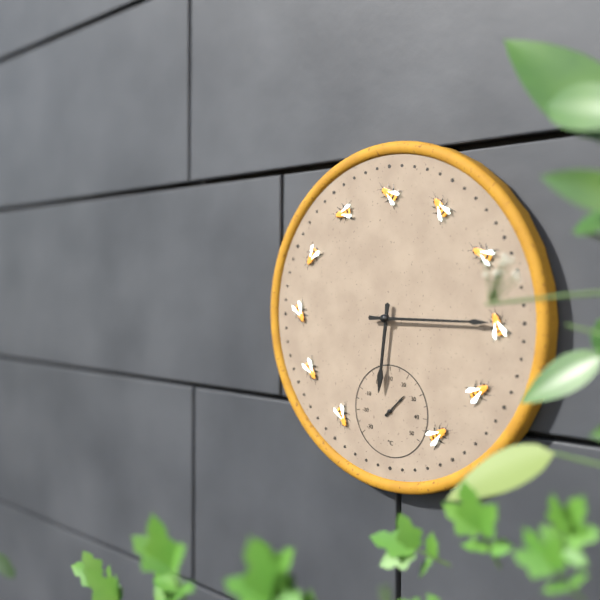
6:15
